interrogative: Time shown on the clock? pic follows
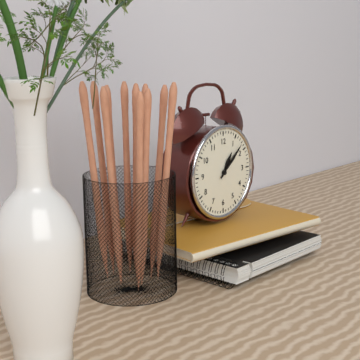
1:08
